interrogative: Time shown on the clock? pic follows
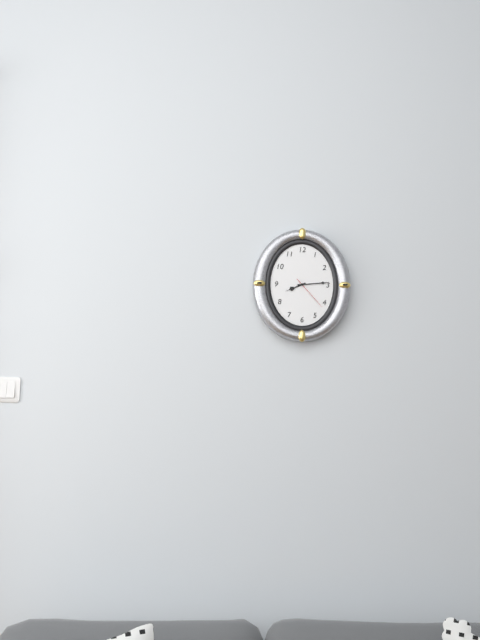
8:14
